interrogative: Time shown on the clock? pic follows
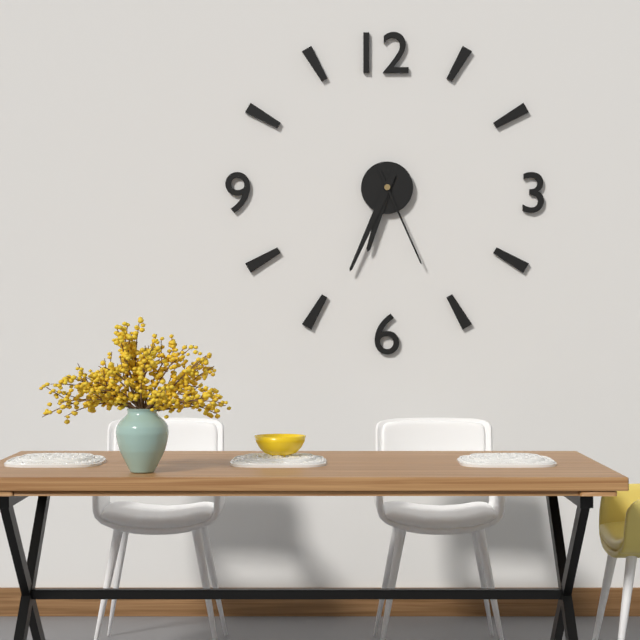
6:34:26
